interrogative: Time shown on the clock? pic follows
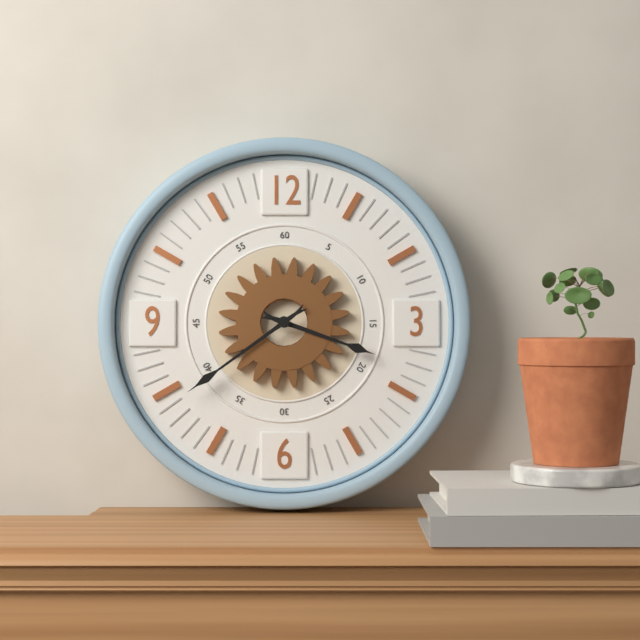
3:39
